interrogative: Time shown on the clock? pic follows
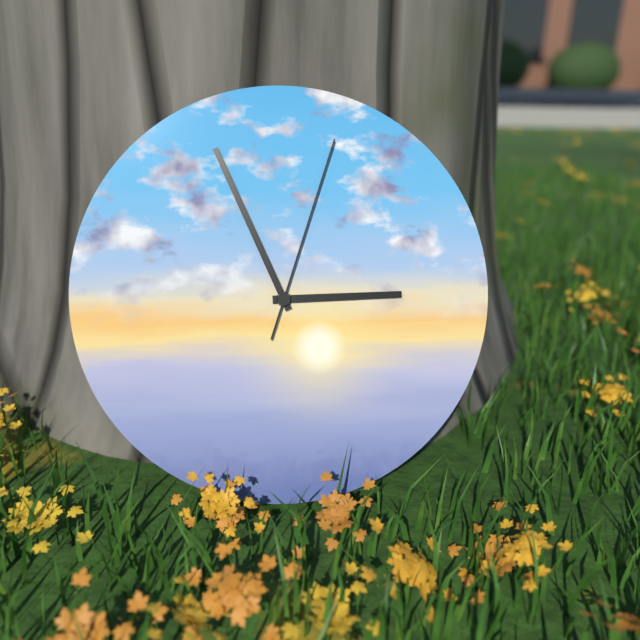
2:56:03
